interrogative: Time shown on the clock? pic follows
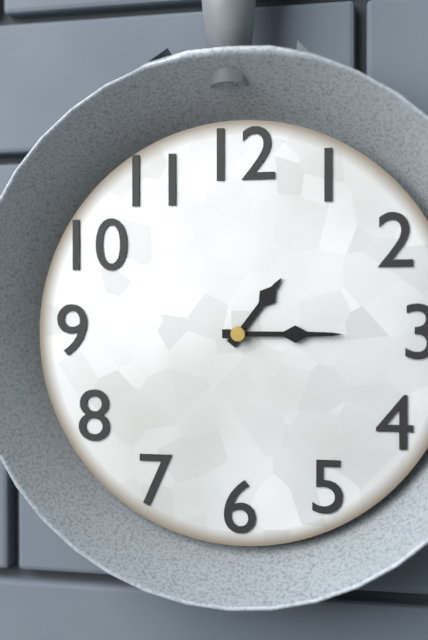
1:15
